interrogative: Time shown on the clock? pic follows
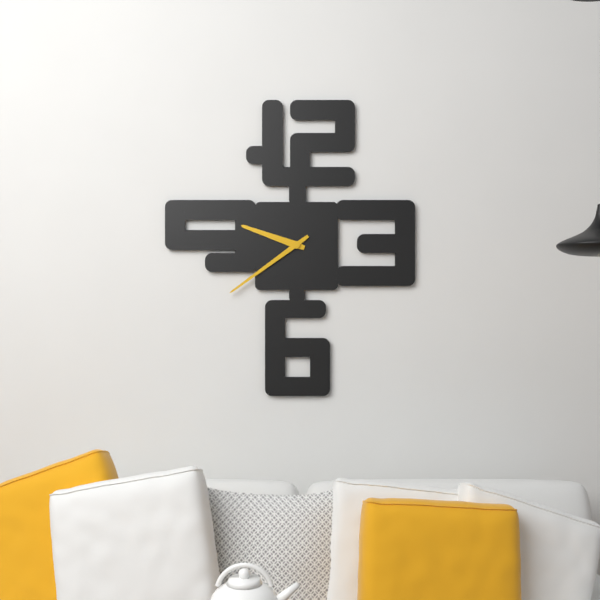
9:39
